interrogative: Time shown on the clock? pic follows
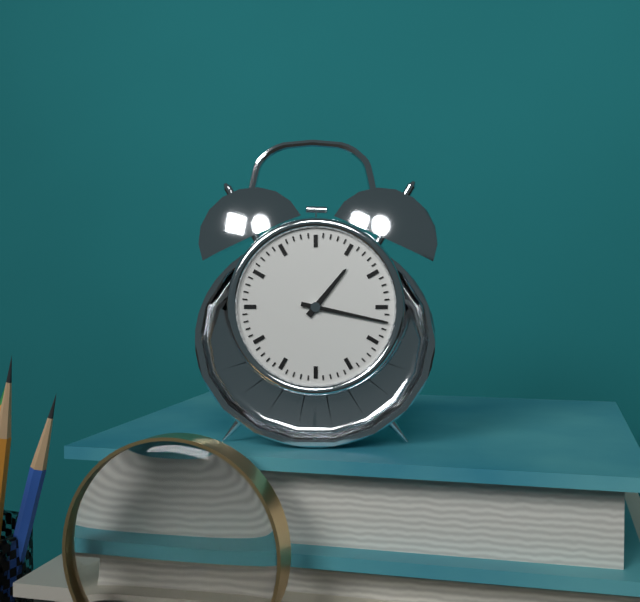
1:17
